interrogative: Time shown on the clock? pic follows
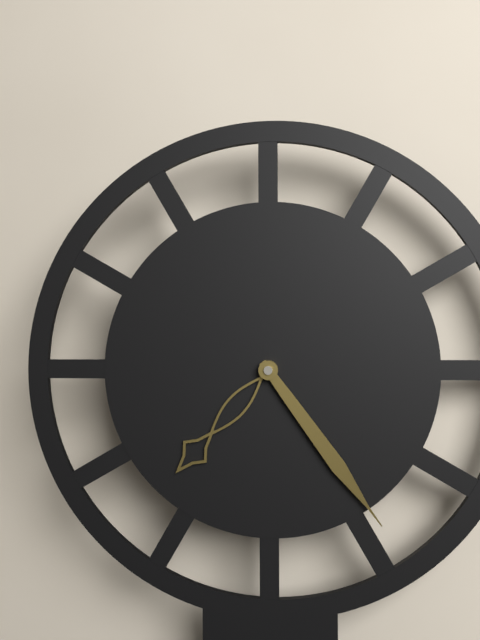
7:24
